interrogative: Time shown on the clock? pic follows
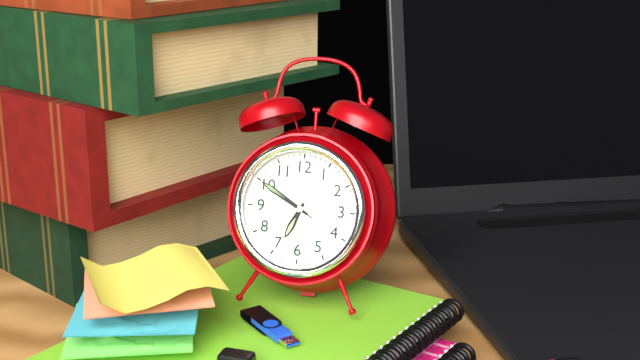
6:50:50
